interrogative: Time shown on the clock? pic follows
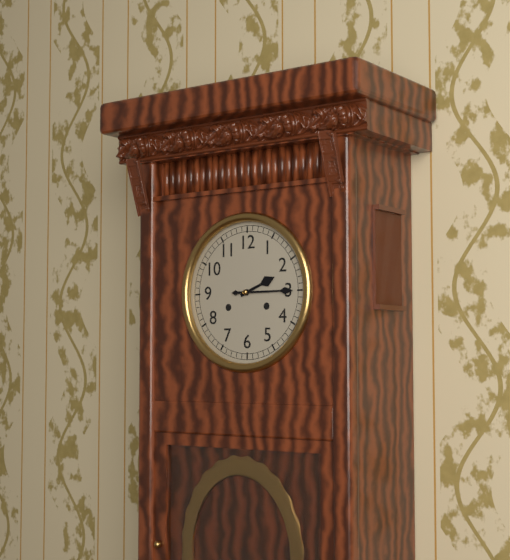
2:15
